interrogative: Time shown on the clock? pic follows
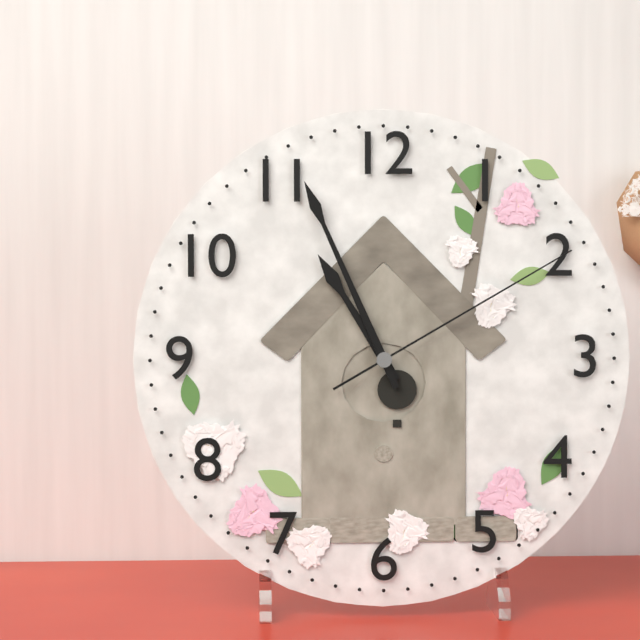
10:56:10
